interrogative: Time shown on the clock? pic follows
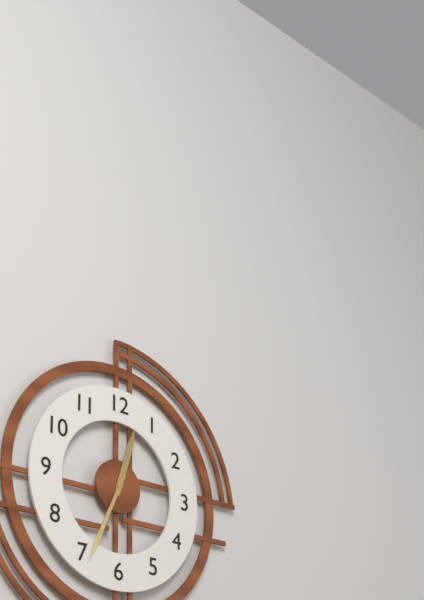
12:34
